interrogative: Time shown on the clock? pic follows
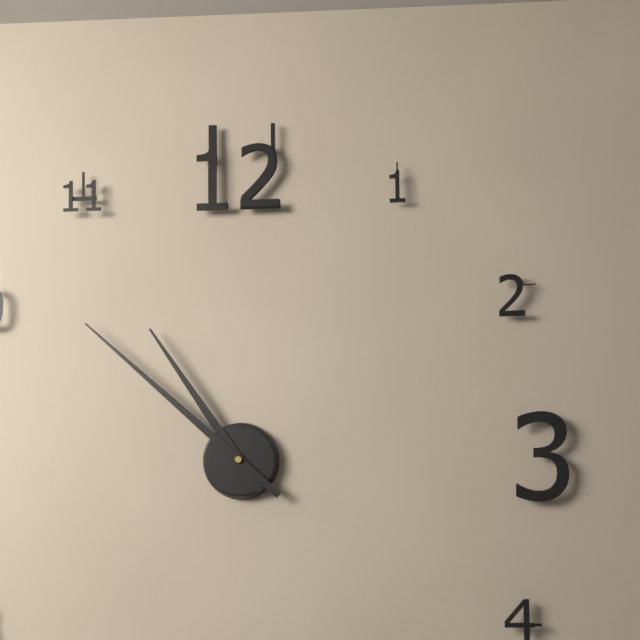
10:52
